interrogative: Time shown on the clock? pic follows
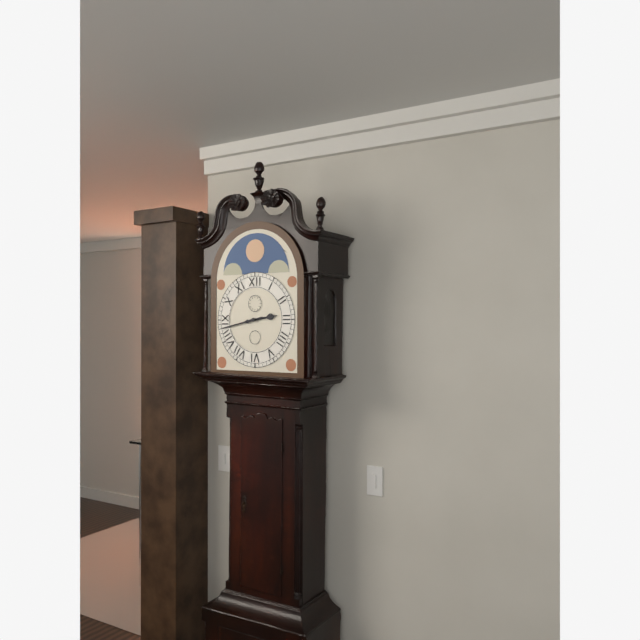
2:43
